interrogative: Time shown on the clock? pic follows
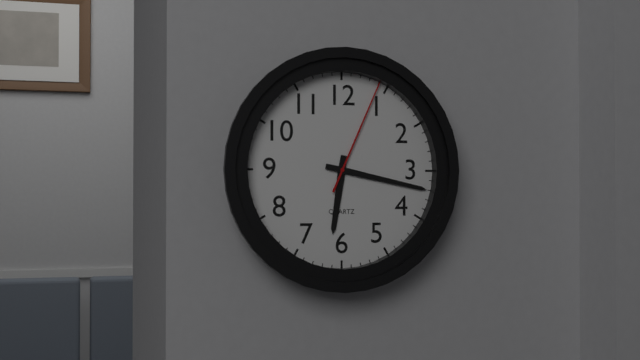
6:17:04
